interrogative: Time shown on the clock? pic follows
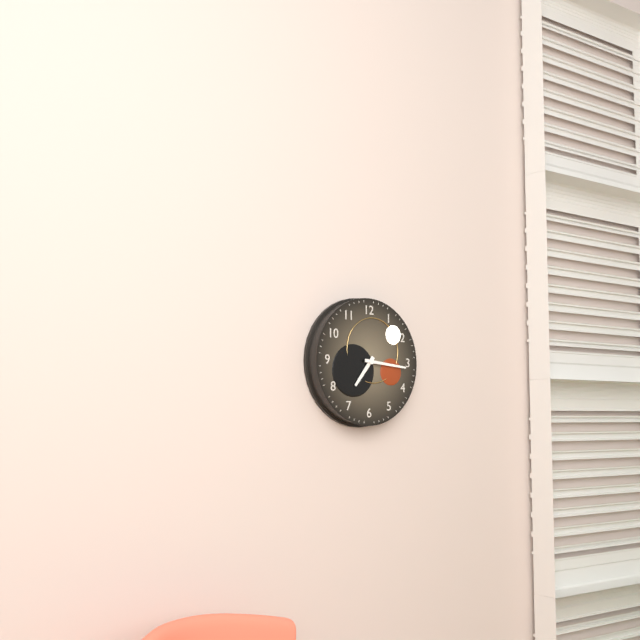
7:16
